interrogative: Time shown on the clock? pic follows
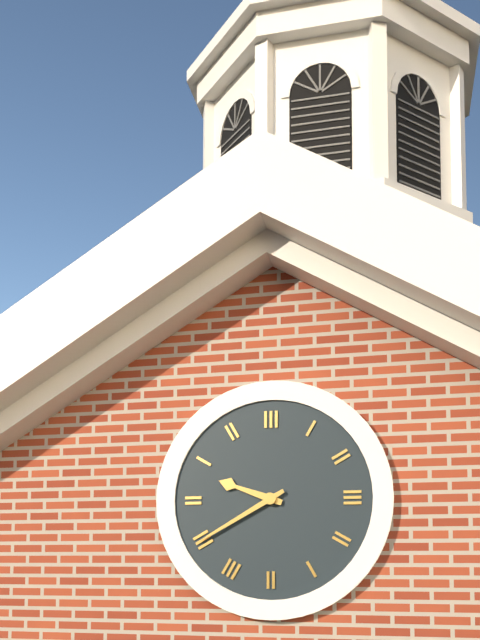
9:40
